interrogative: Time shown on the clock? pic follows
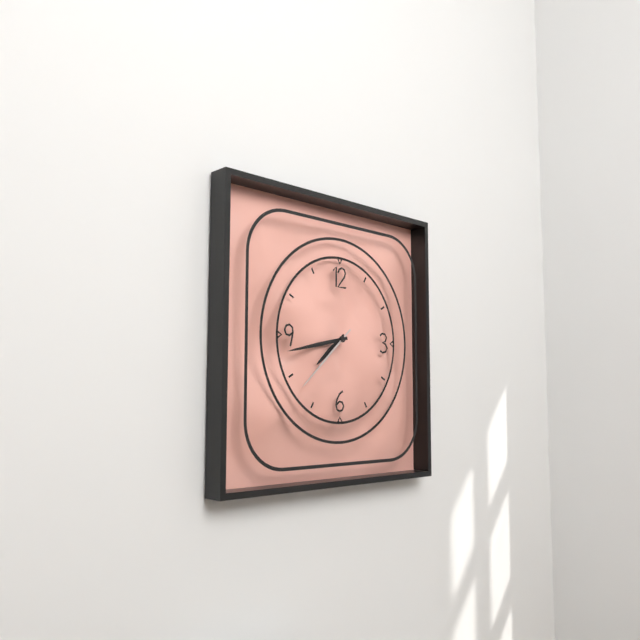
7:43:38
